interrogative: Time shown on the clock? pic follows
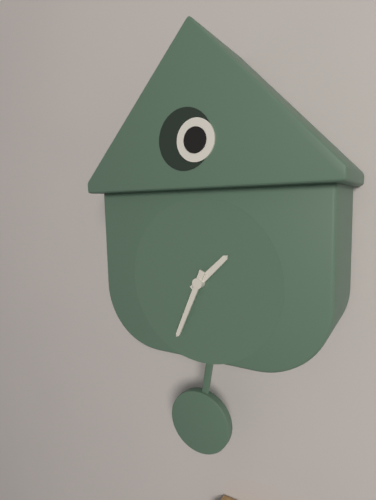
1:34
